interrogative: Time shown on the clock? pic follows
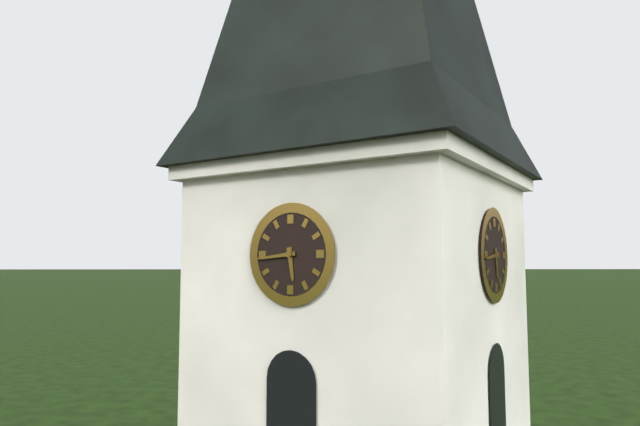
5:44
